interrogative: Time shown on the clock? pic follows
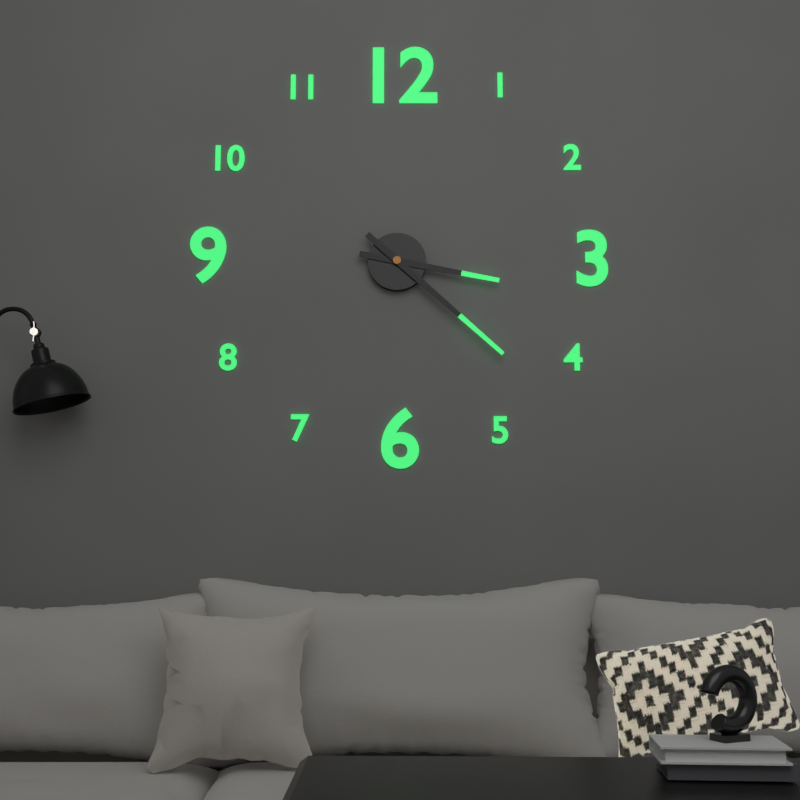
3:22
